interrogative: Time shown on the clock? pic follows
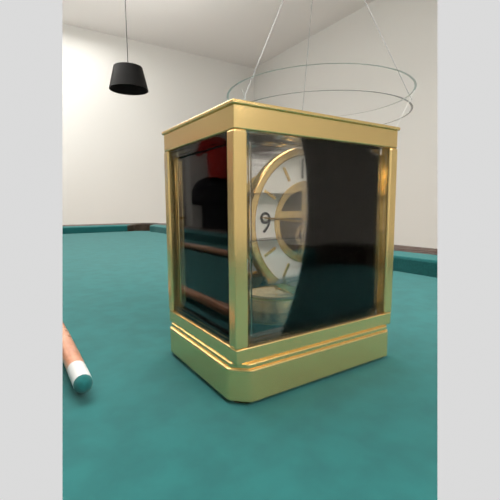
6:46
